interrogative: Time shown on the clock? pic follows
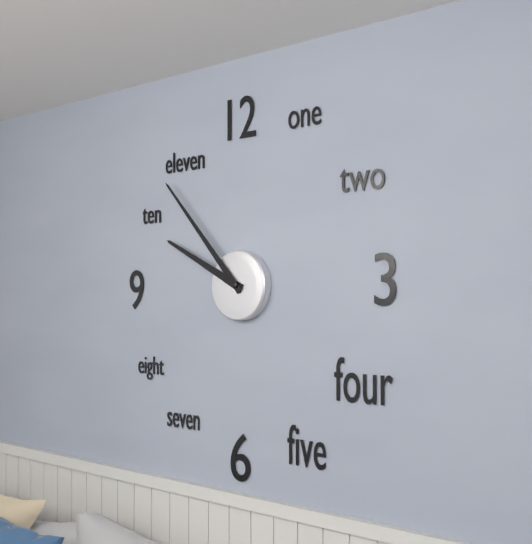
9:53
